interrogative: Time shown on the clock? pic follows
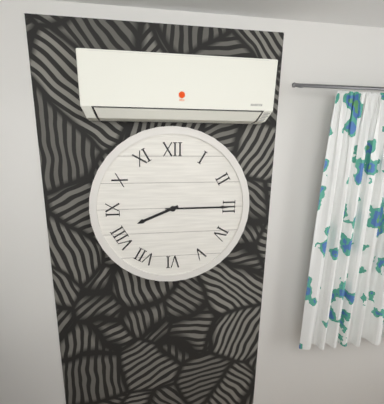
8:15
